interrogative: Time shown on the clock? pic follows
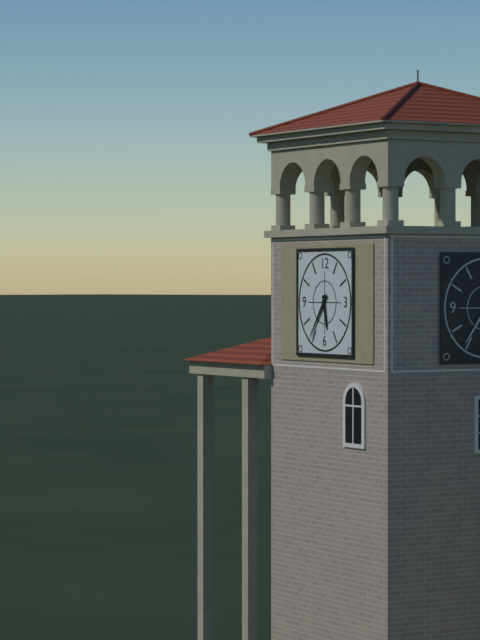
5:36
